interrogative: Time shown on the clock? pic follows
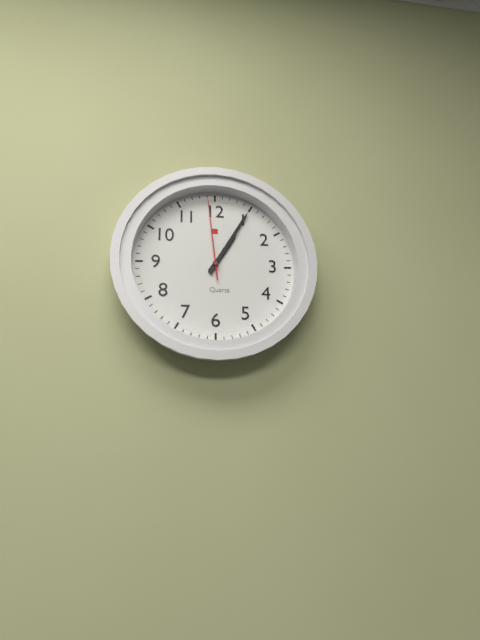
1:05:59
